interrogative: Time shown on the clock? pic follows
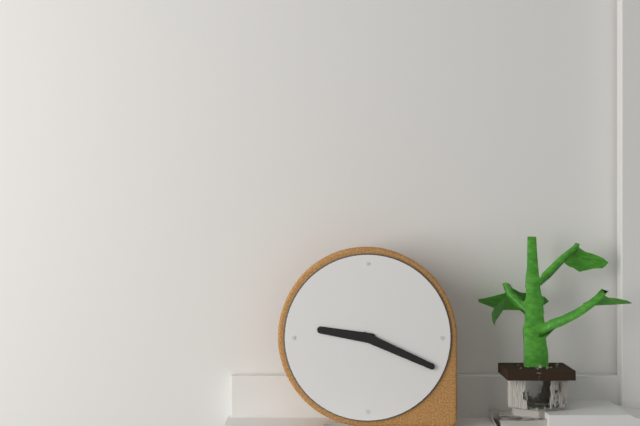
9:19
